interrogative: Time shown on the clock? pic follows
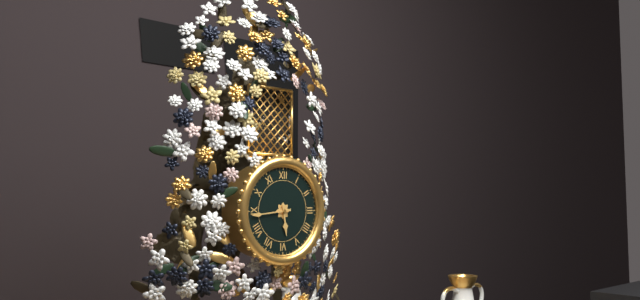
5:44
